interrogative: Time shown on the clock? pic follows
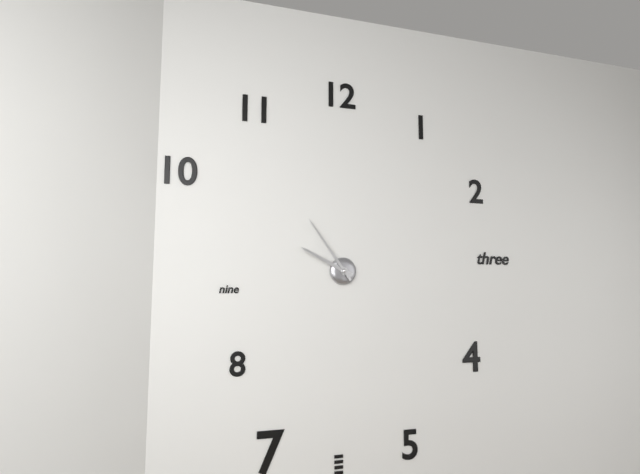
9:54
